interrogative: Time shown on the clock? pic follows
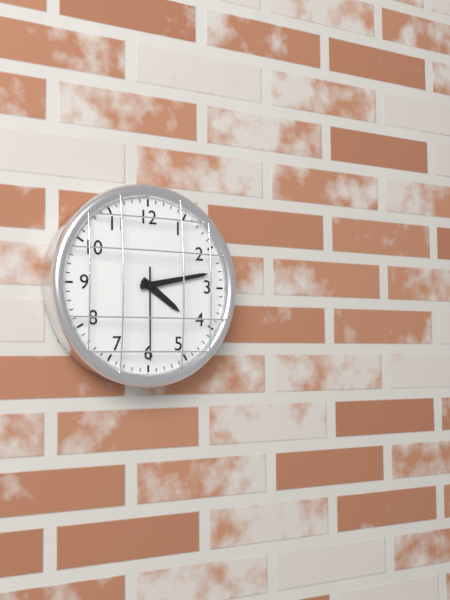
4:13:30
